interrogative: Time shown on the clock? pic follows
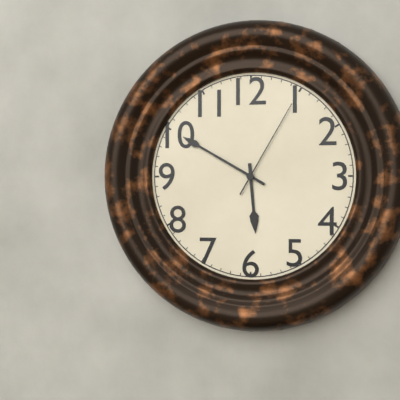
5:50:05
